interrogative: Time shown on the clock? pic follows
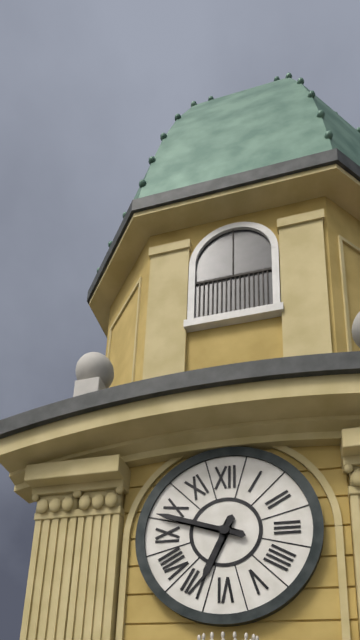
6:48
